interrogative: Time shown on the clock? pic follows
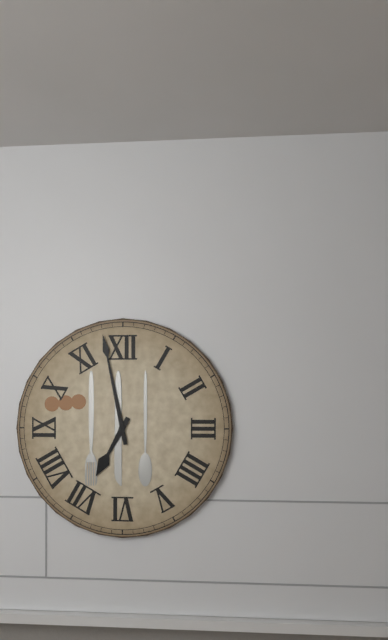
6:58
